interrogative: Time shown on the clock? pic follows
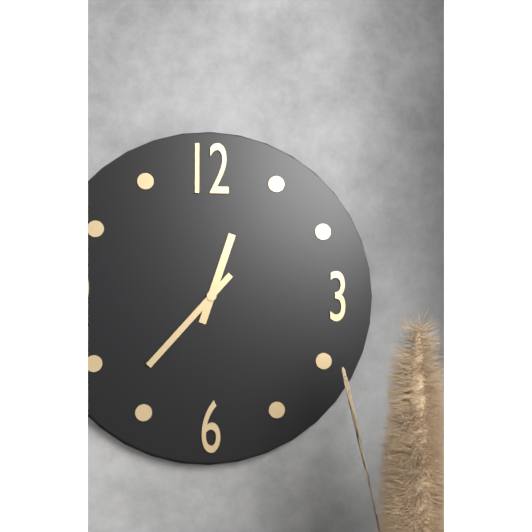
12:37
